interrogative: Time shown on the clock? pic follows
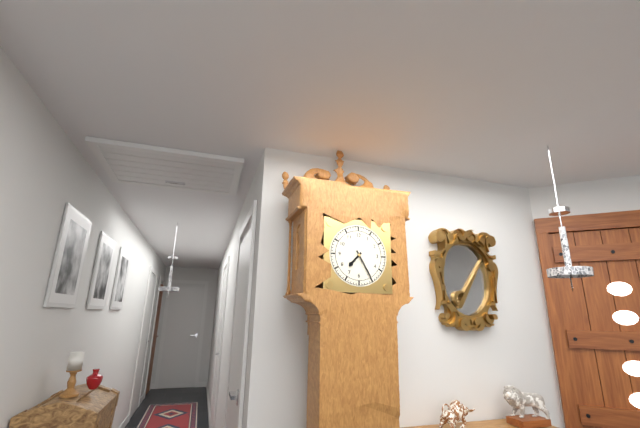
7:25
